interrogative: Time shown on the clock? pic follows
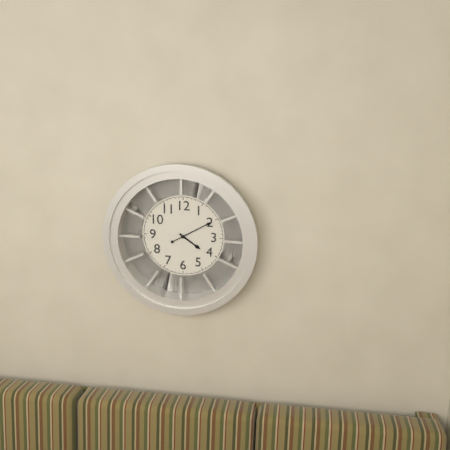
4:10
